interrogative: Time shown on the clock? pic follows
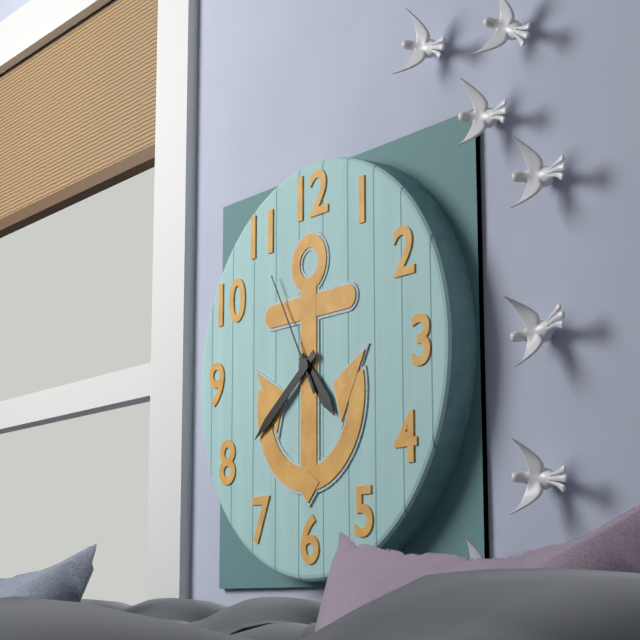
4:39:55
